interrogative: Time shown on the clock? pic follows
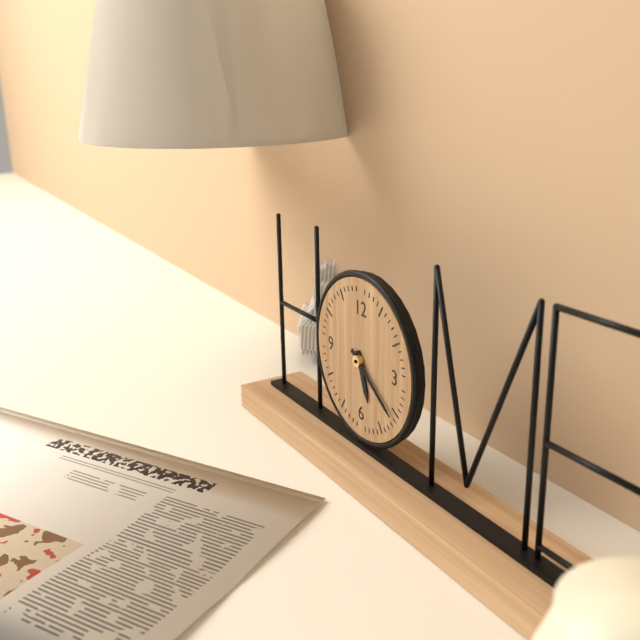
5:21
